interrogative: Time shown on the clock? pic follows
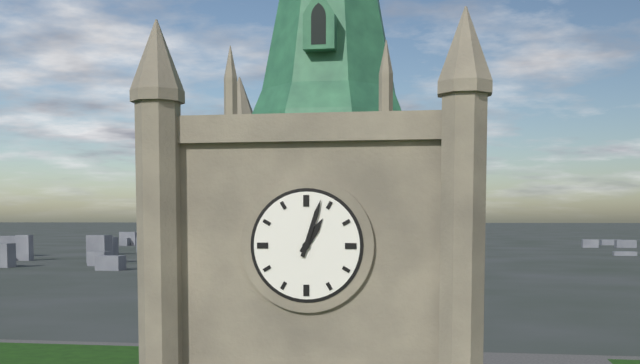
1:03
